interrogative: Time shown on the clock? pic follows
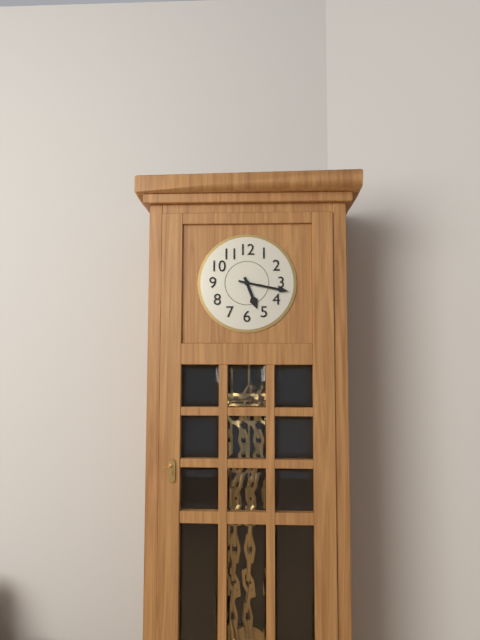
5:17
